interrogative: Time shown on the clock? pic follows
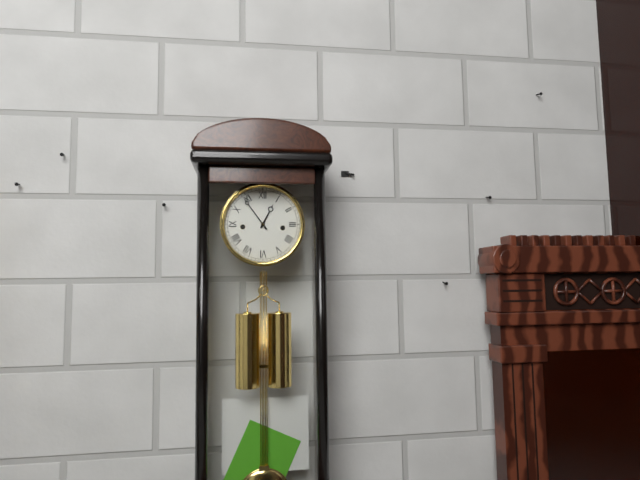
12:54
